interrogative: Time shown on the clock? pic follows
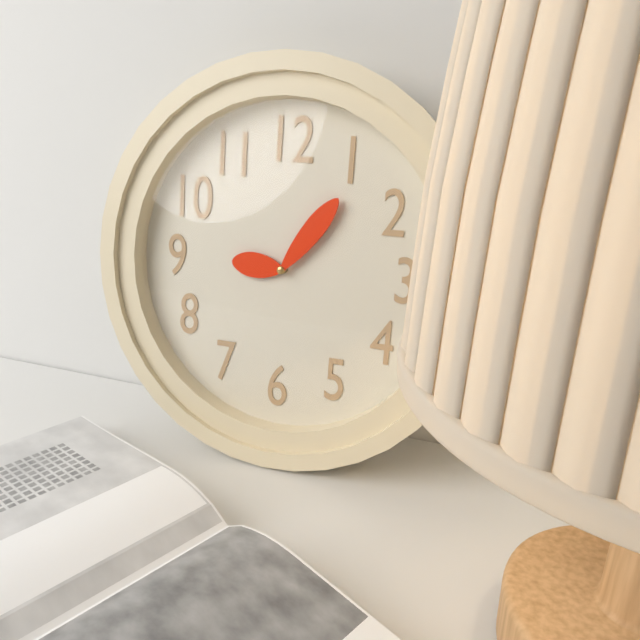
9:06
